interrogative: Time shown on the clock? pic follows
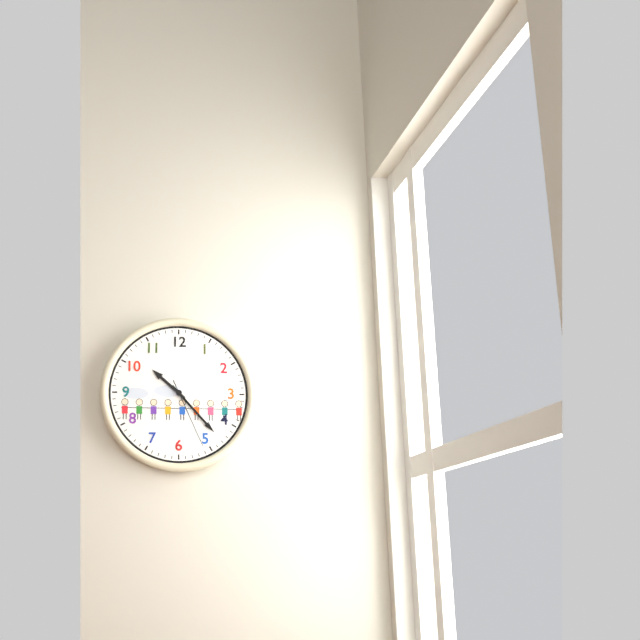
10:23:26
